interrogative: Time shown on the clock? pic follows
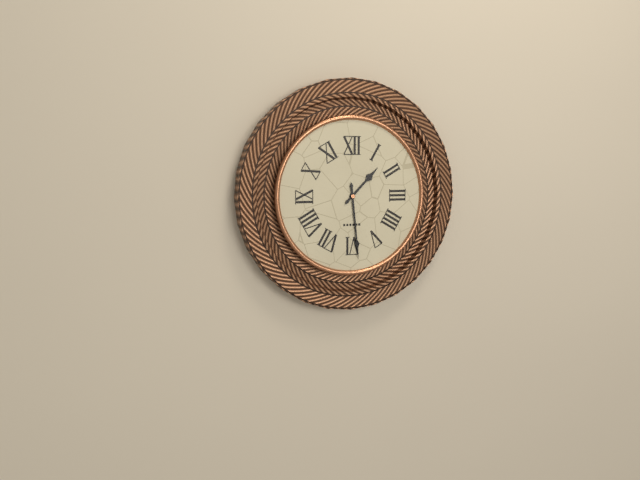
1:29
